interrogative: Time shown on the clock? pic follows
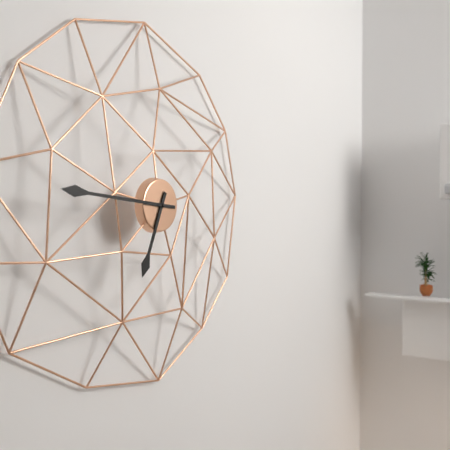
6:46
